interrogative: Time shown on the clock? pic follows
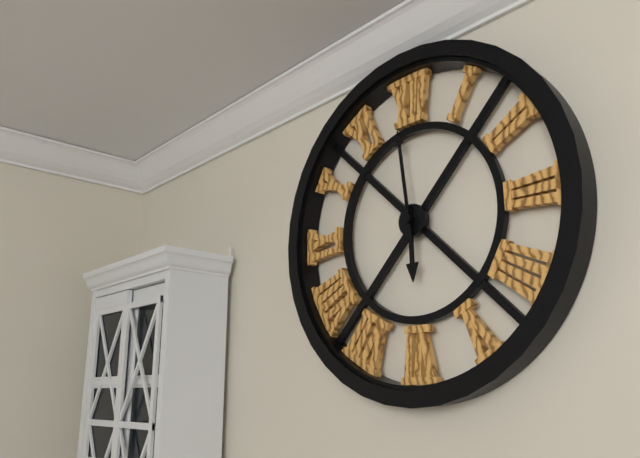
5:59
